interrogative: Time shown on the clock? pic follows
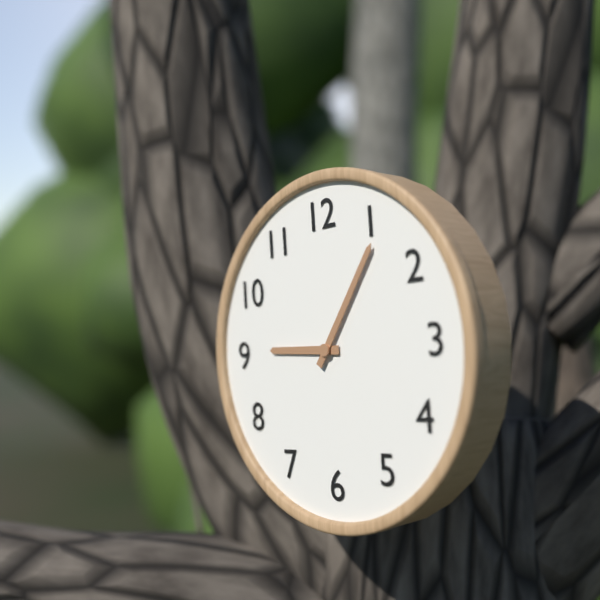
9:06
